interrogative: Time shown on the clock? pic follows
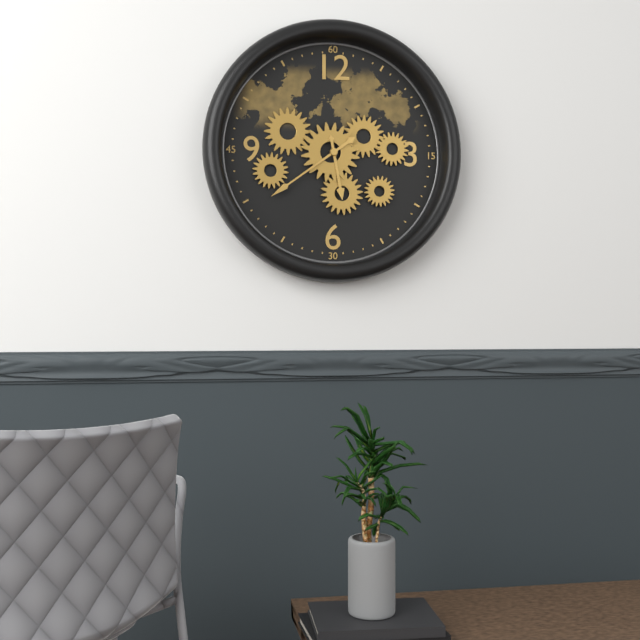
5:39
